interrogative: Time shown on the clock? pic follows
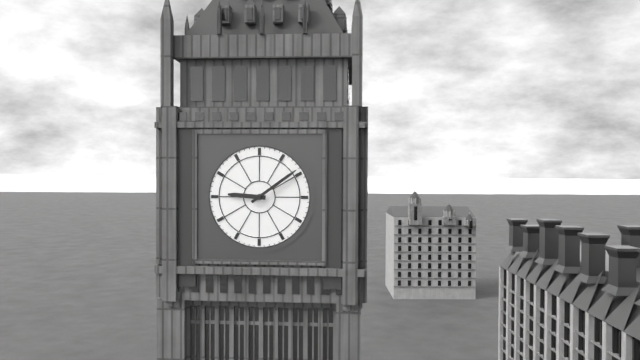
9:09
